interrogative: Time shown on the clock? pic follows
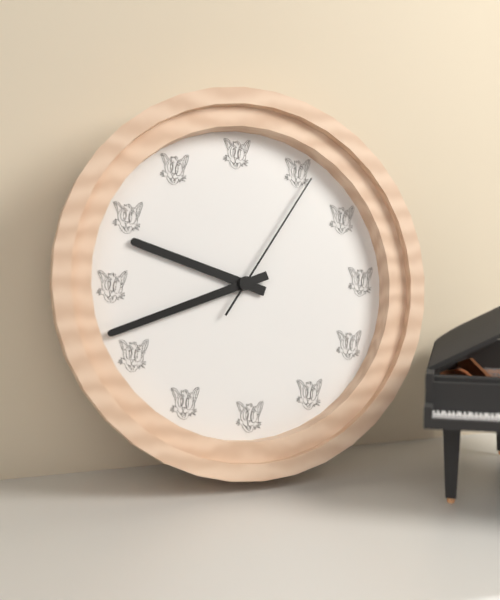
9:42:06
